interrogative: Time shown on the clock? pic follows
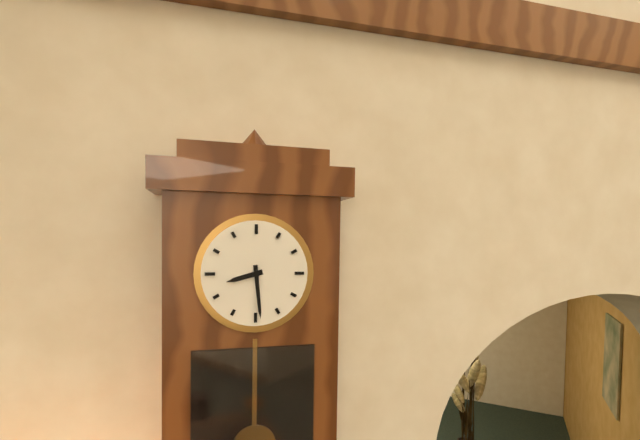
8:29
